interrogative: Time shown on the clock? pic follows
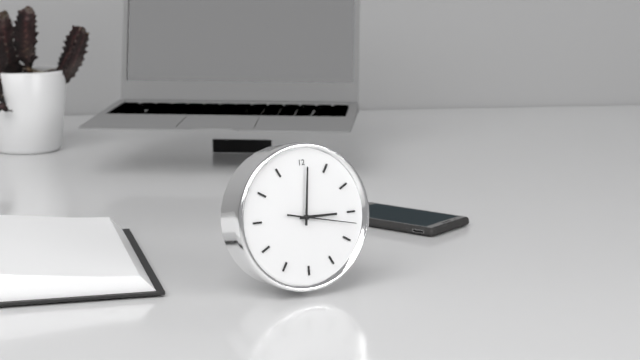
3:01:17
